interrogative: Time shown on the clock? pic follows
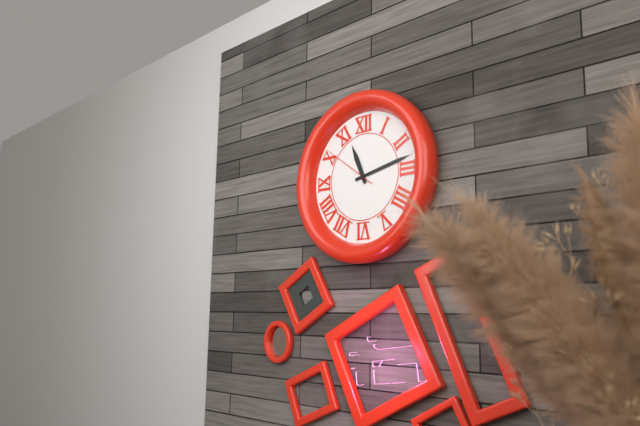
11:13:51
